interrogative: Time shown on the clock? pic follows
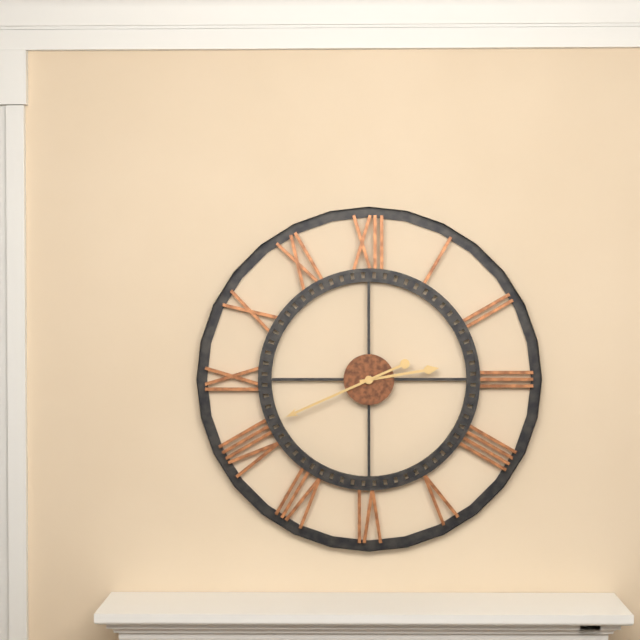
2:41
